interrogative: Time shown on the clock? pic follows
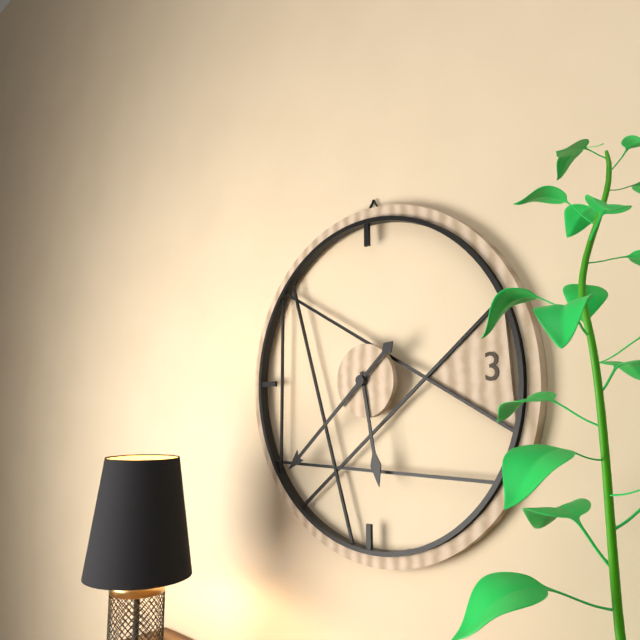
5:38
